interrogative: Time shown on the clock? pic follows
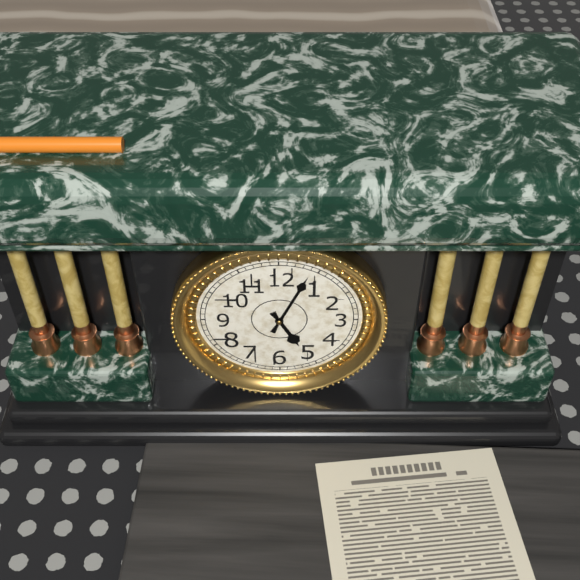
5:04
